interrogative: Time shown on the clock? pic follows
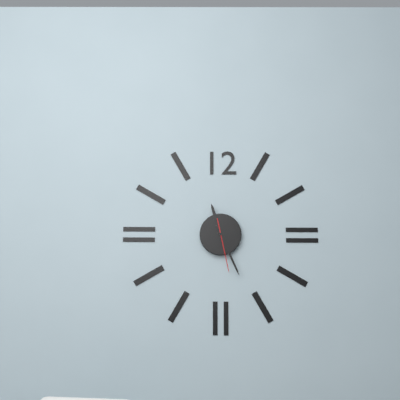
11:26:28
